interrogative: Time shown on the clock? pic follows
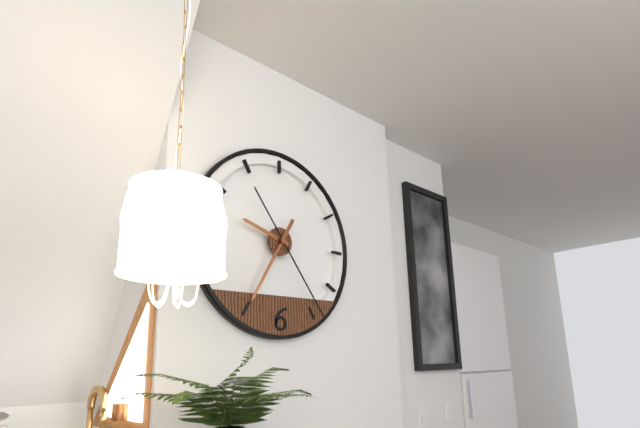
9:35:24
